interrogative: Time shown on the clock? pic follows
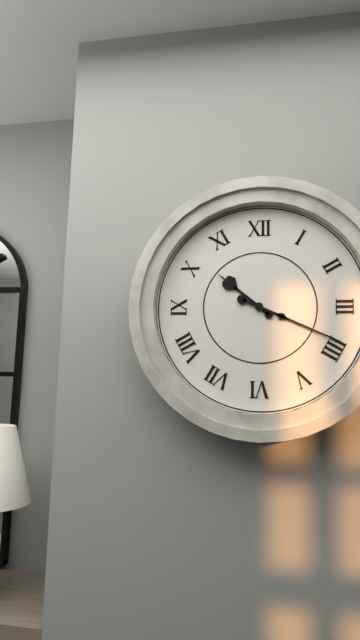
10:19
